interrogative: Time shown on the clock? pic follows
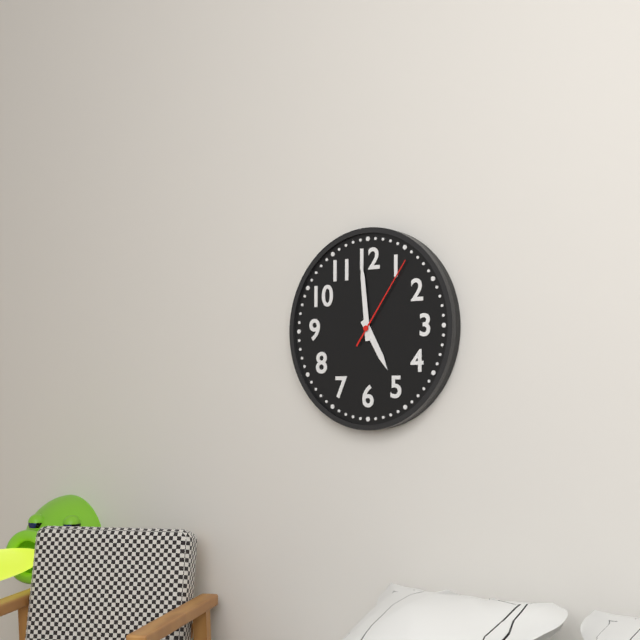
4:59:06
